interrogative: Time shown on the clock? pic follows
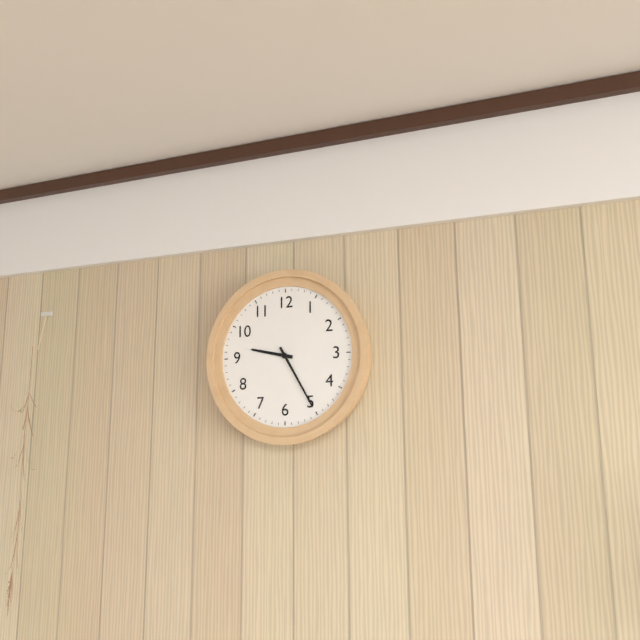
9:25
